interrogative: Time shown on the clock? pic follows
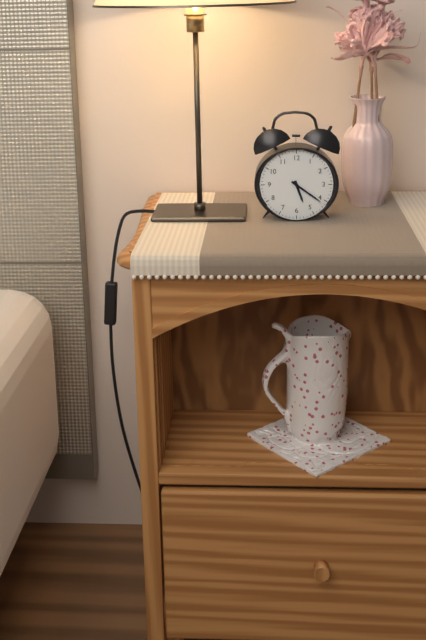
5:21
